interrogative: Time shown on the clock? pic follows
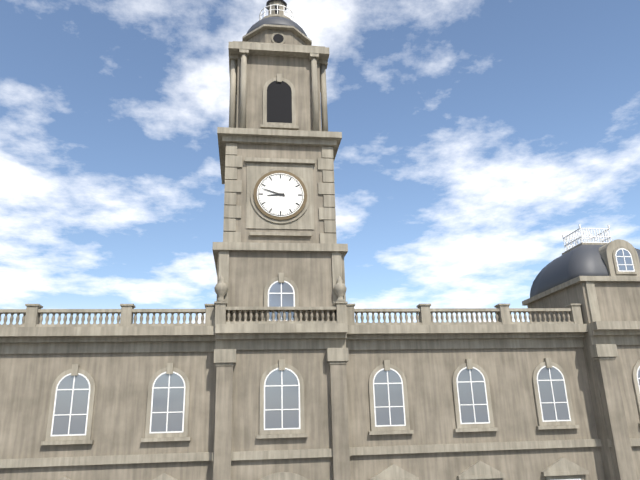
8:48
